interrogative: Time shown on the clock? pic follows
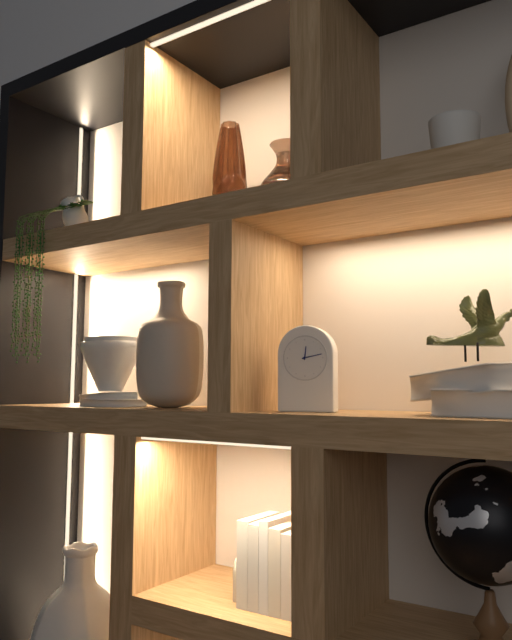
12:13
